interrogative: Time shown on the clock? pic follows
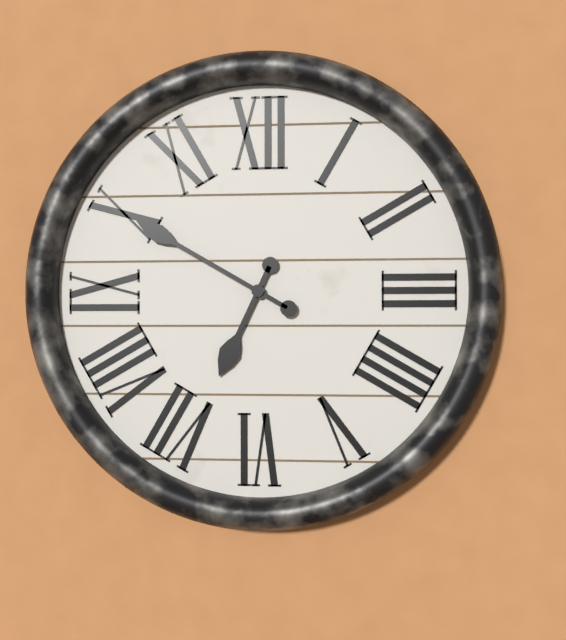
6:50
